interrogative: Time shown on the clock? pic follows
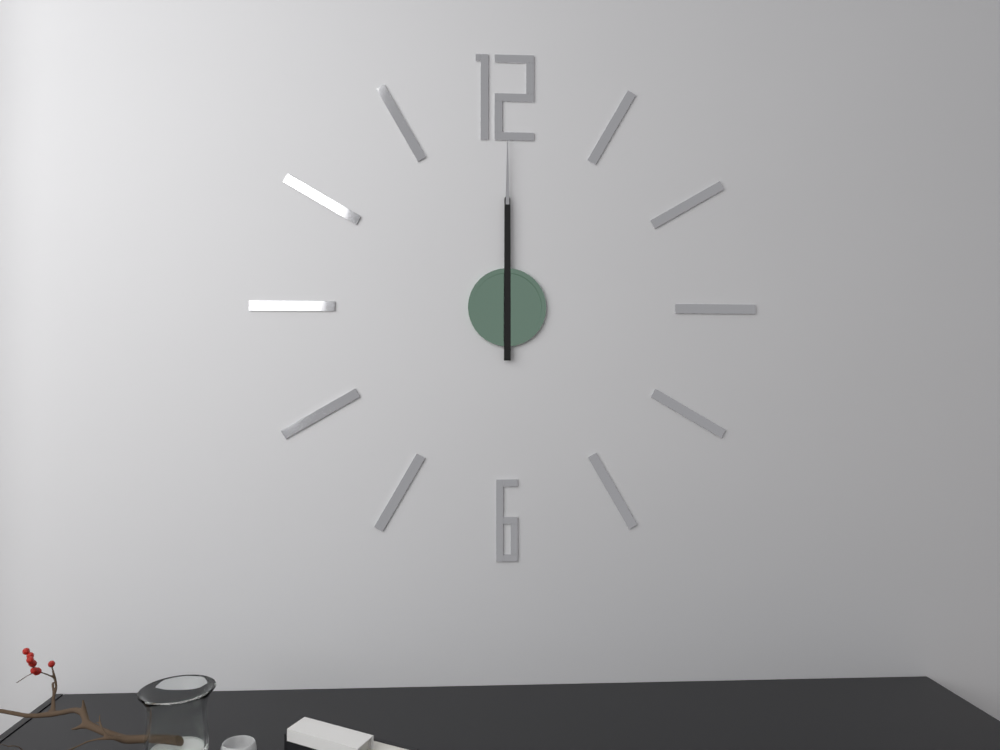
12:00
